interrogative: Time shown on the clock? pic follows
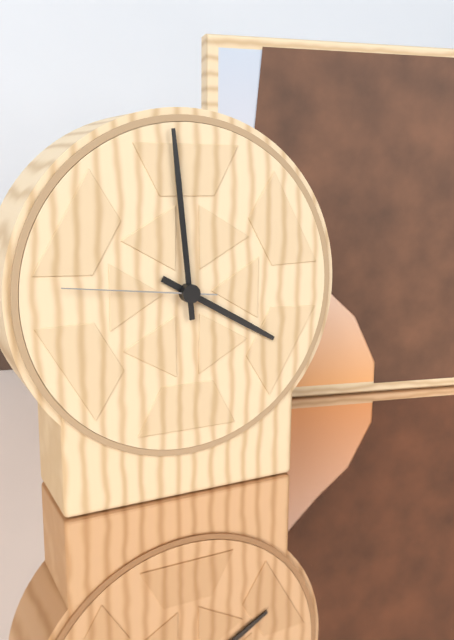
3:59:46
